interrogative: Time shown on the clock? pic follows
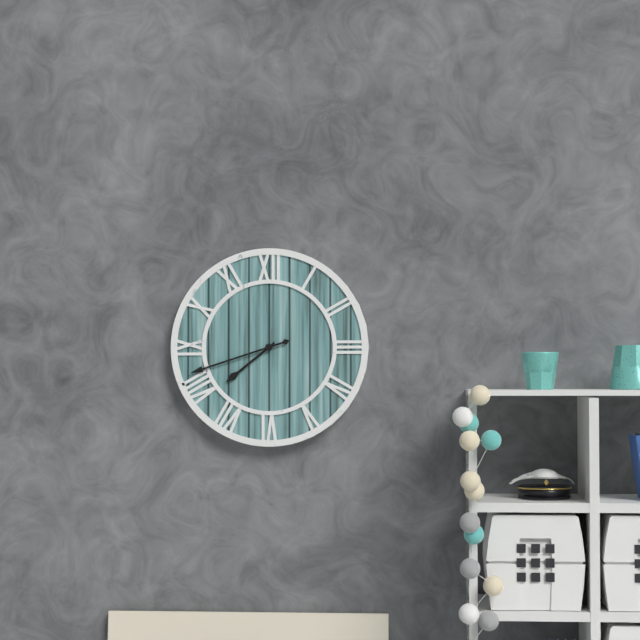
7:42
